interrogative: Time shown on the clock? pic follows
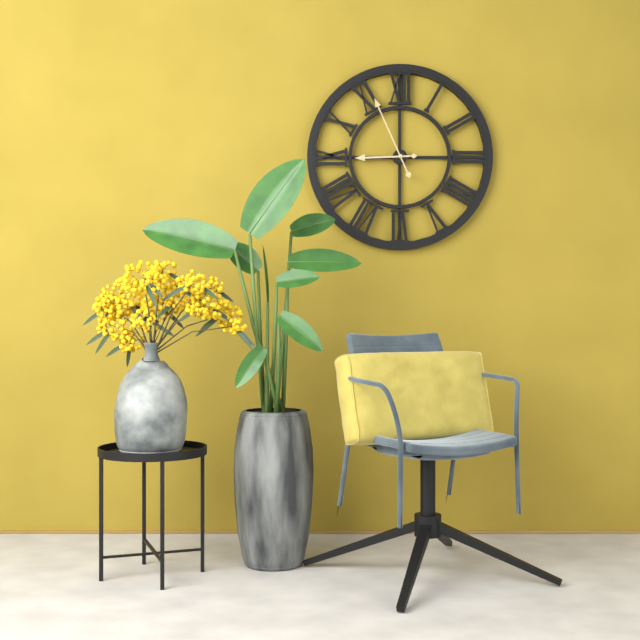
8:56
